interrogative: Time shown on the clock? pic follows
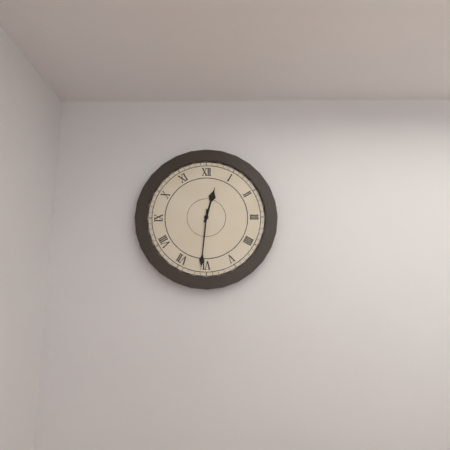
12:31
